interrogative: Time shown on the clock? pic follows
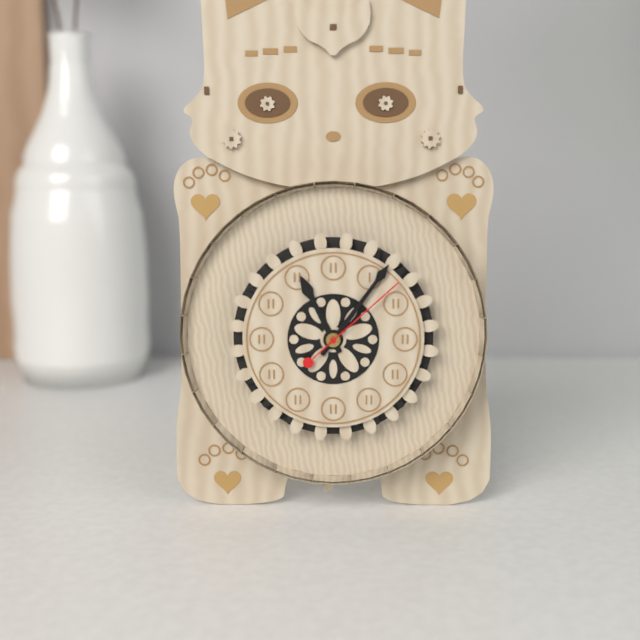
11:06:08
